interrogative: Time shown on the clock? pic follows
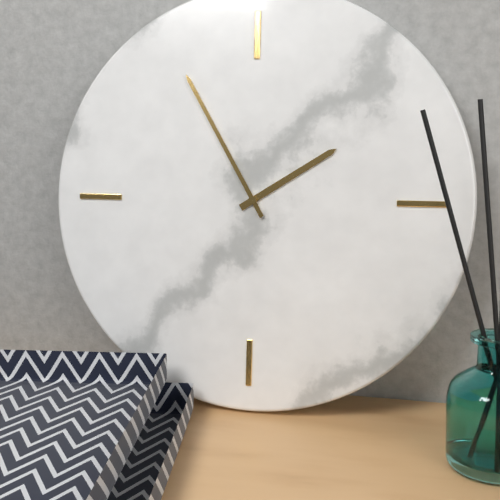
1:55
